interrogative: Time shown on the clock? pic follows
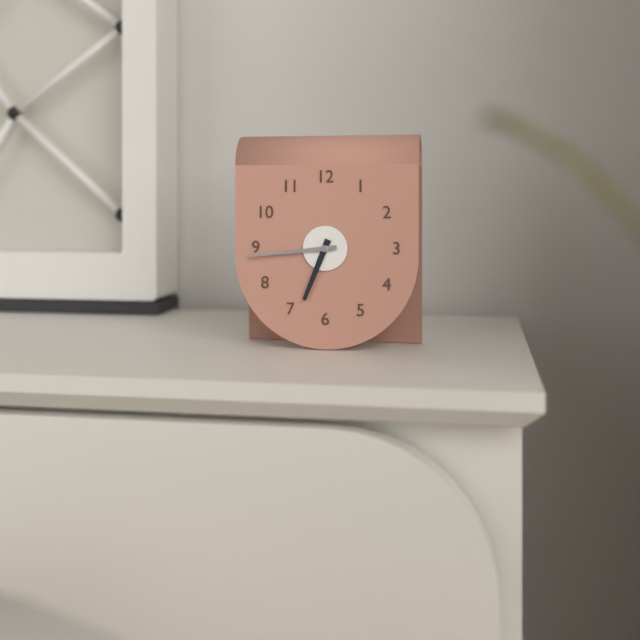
6:44
